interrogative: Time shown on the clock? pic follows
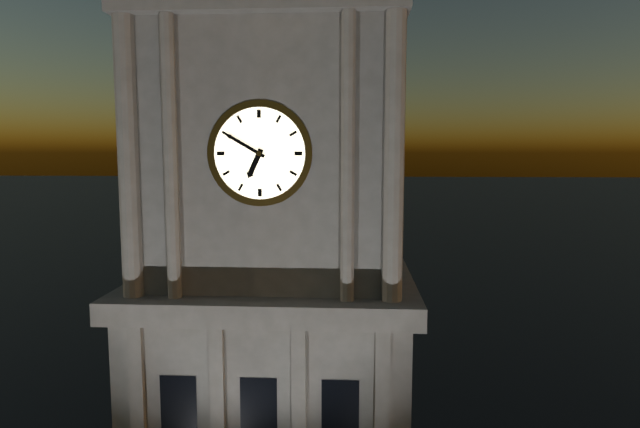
6:50
